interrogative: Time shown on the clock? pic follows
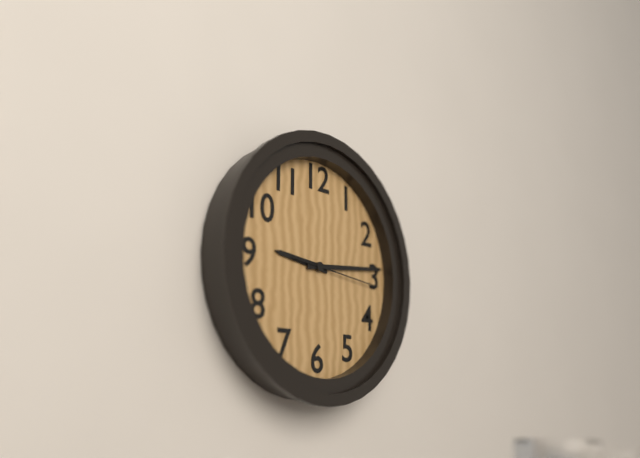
9:14:16
